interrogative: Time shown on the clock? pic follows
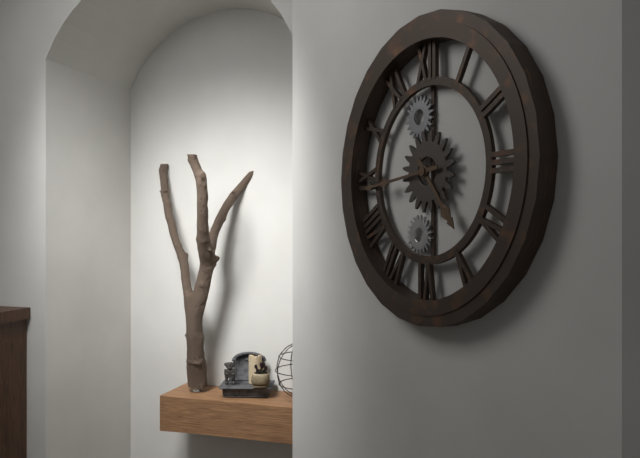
4:44
